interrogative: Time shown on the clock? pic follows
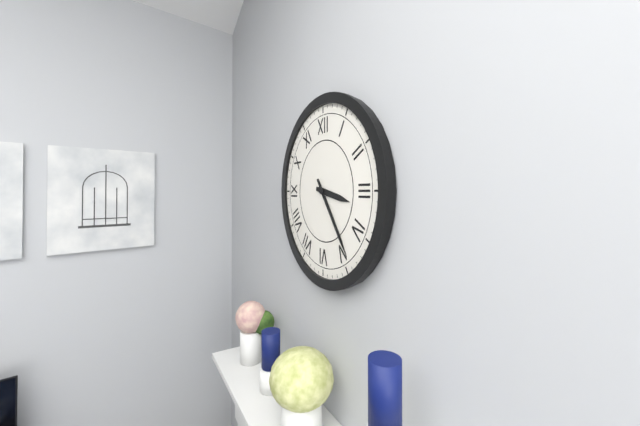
3:24
